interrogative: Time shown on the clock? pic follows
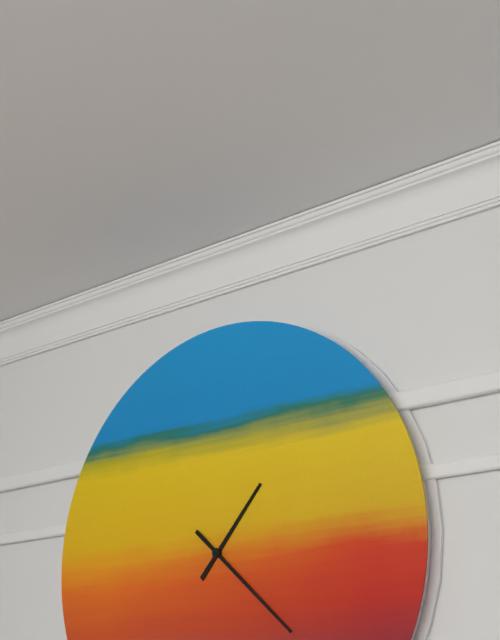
1:22
